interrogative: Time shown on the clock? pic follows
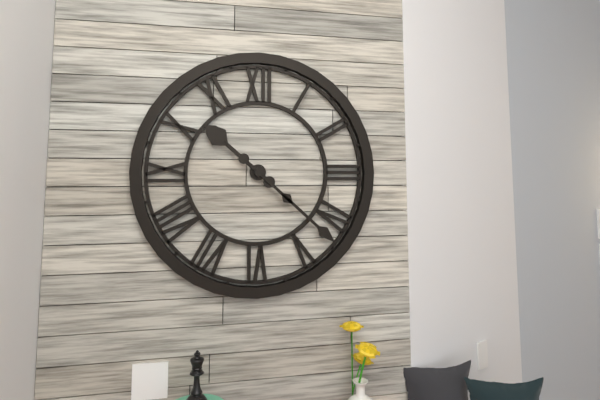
10:22
